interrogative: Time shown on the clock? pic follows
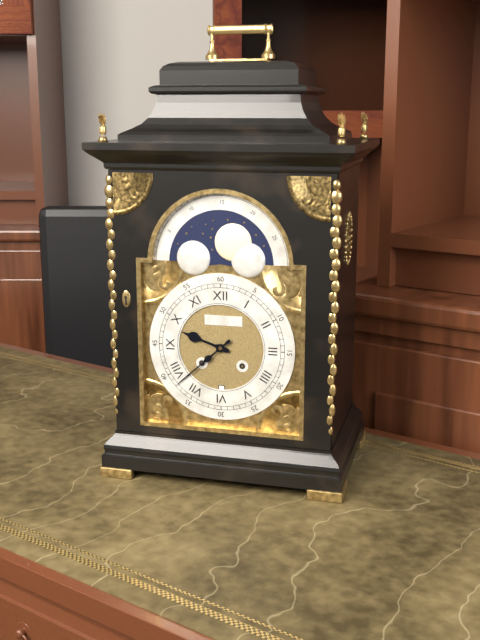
9:38
